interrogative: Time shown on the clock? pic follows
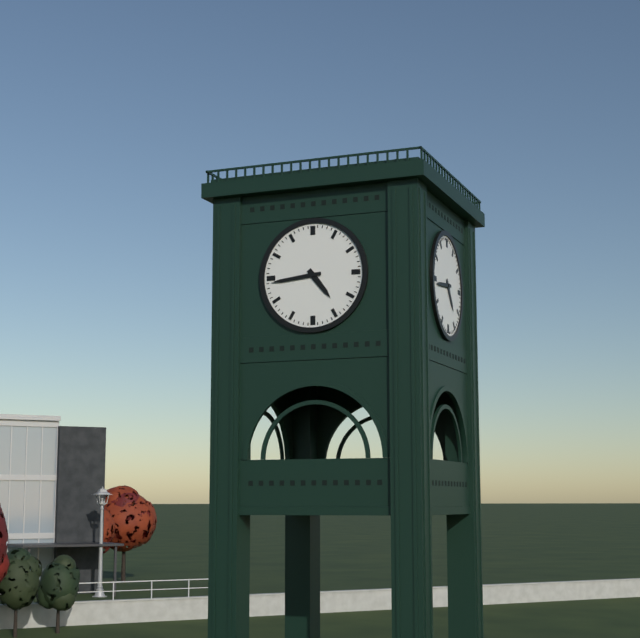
4:44
